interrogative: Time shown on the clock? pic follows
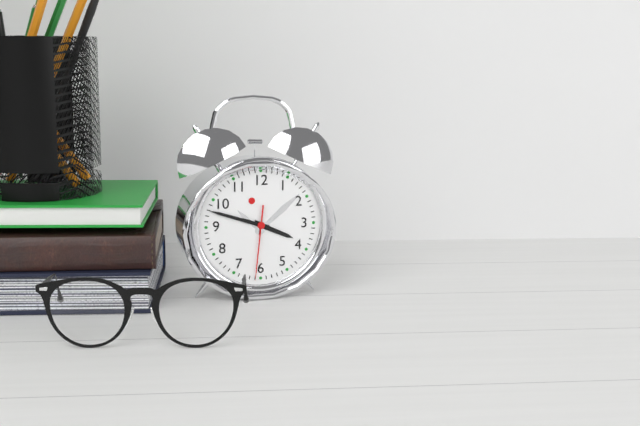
3:48:31
